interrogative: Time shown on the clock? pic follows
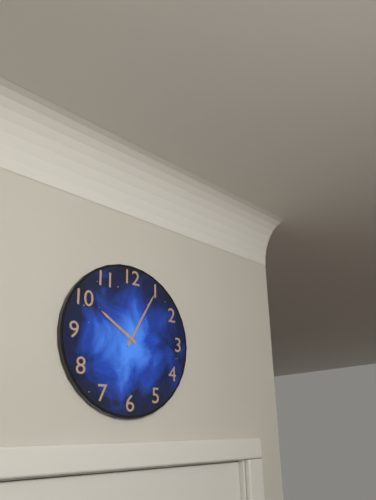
10:05
